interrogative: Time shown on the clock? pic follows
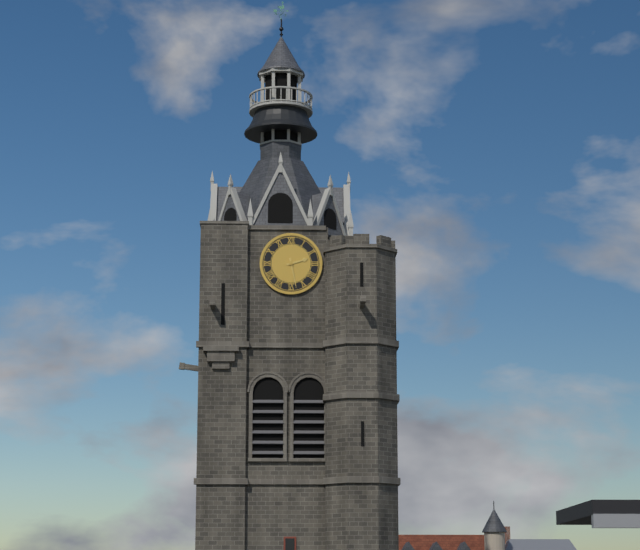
2:28
